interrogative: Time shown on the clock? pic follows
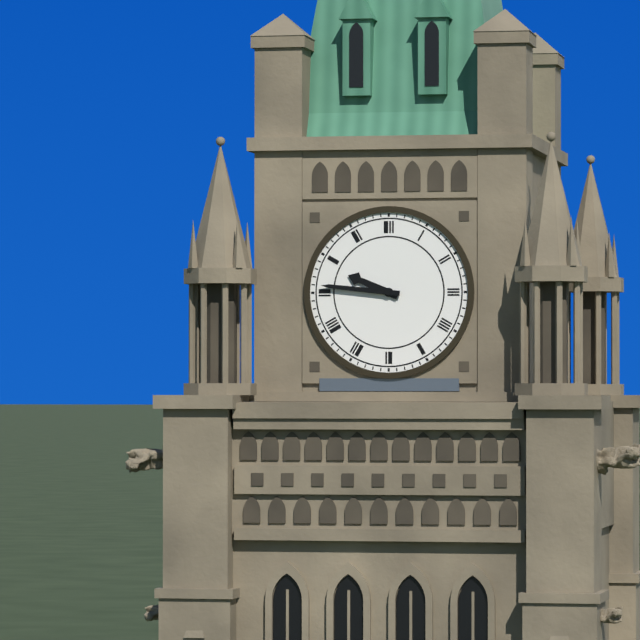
9:46
